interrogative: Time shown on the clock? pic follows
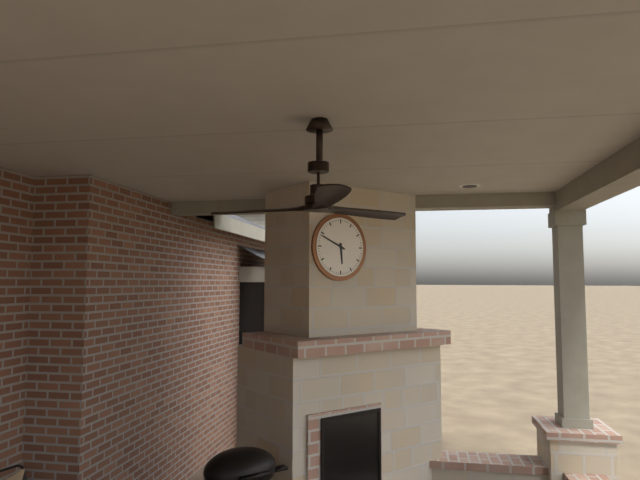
5:49
